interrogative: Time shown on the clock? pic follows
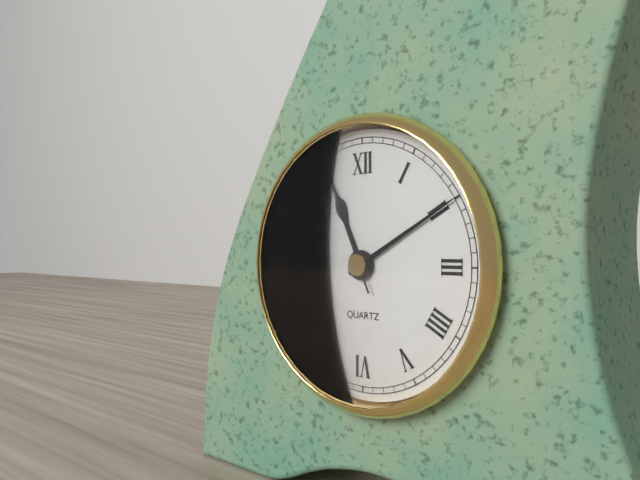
11:10:56
